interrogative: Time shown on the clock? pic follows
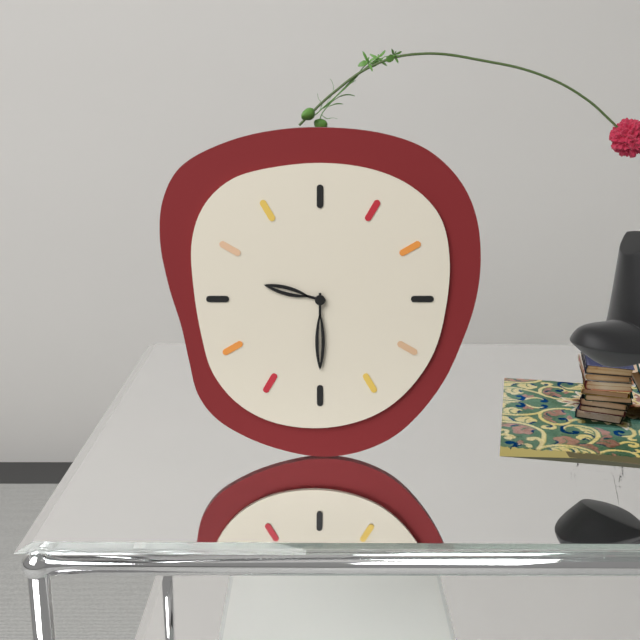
9:30
